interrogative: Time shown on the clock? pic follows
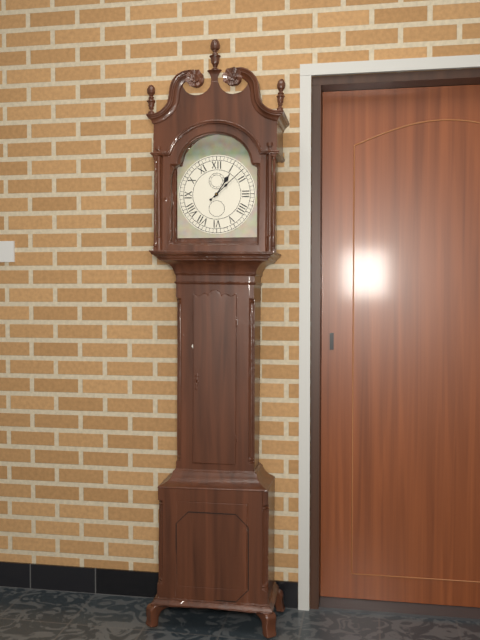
1:08
